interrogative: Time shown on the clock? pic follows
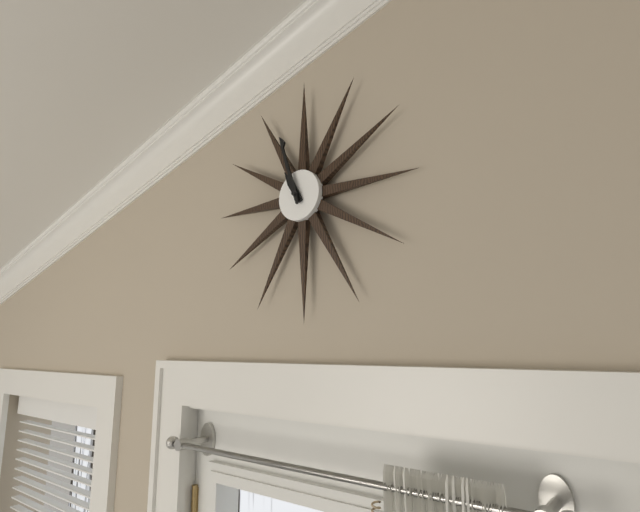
10:57
